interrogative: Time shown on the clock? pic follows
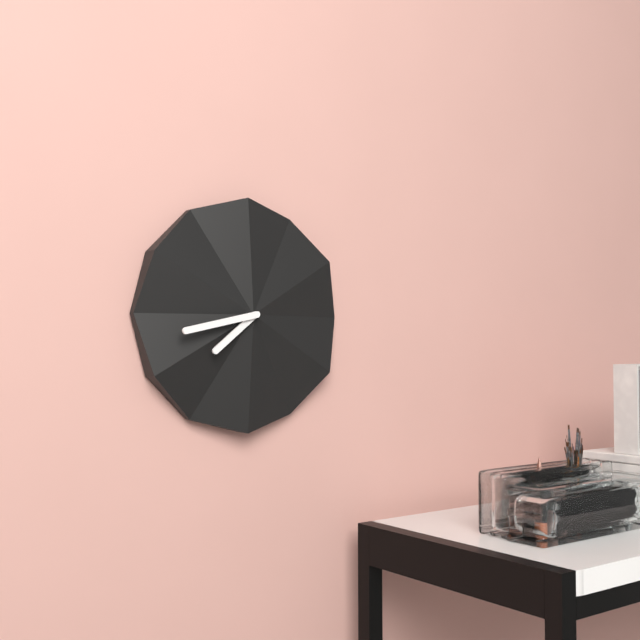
7:43
